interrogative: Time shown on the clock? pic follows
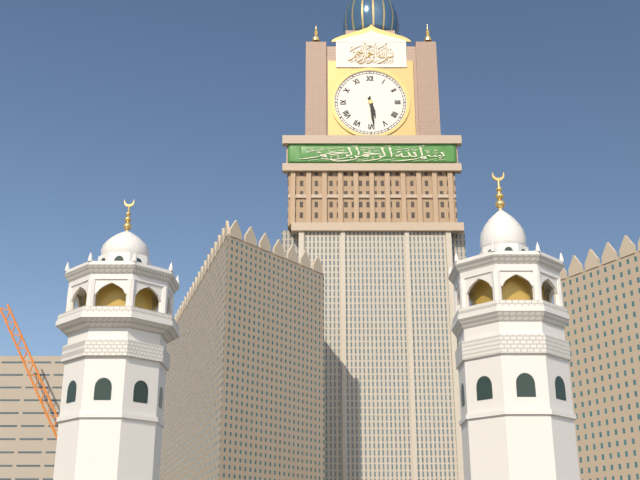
5:29
